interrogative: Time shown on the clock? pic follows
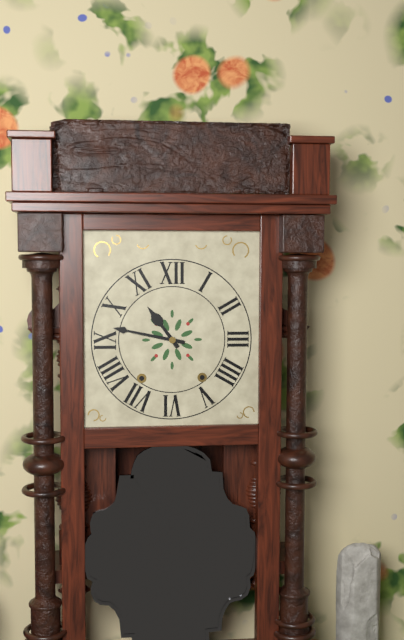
10:47
